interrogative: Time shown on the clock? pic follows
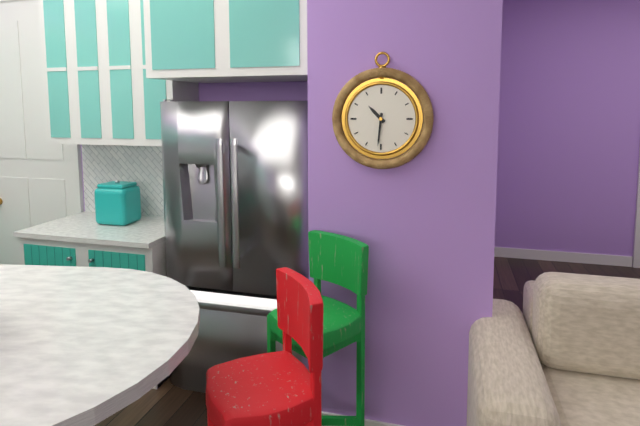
10:31
